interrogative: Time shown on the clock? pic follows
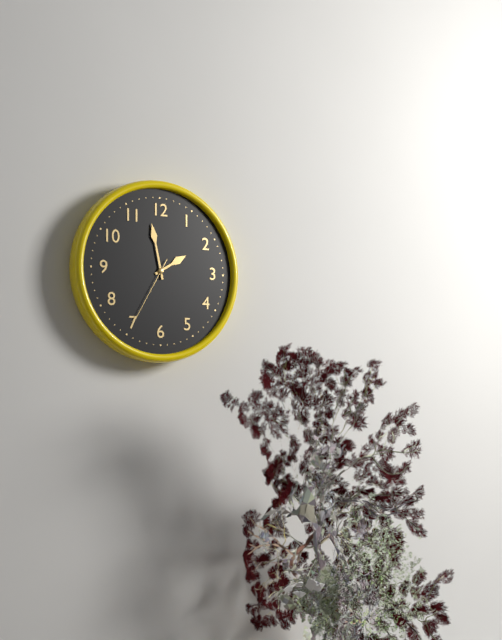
1:58:35
